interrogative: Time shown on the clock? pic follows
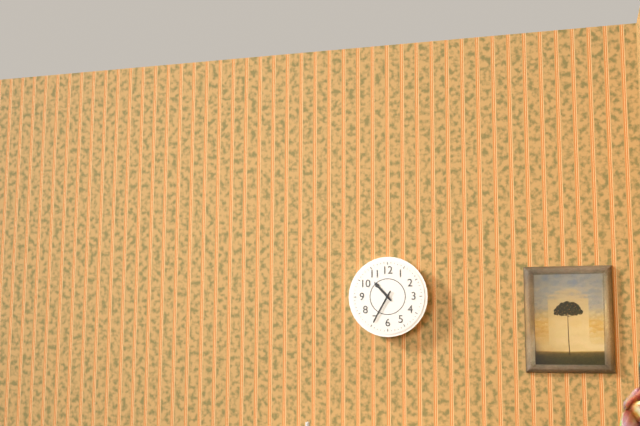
10:35
